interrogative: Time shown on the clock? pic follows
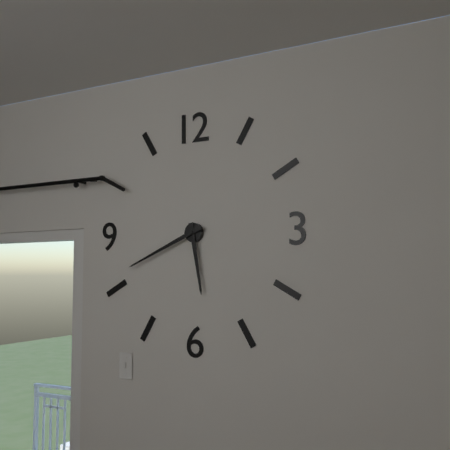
5:41
